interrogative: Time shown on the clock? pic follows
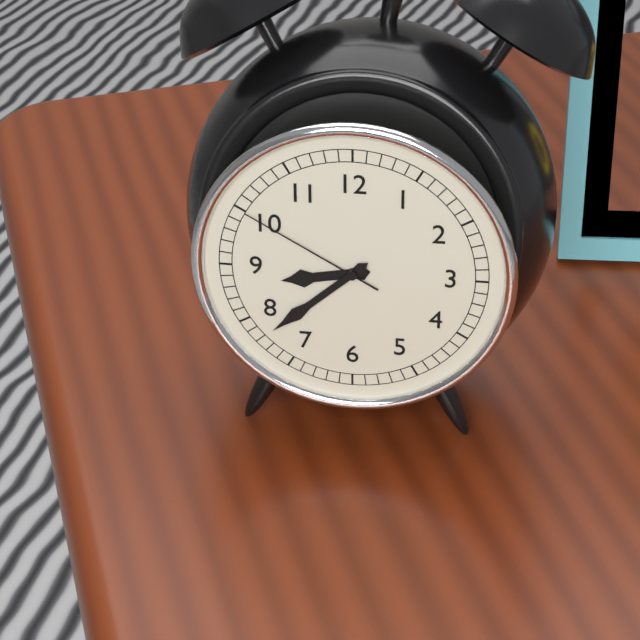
8:38:50
